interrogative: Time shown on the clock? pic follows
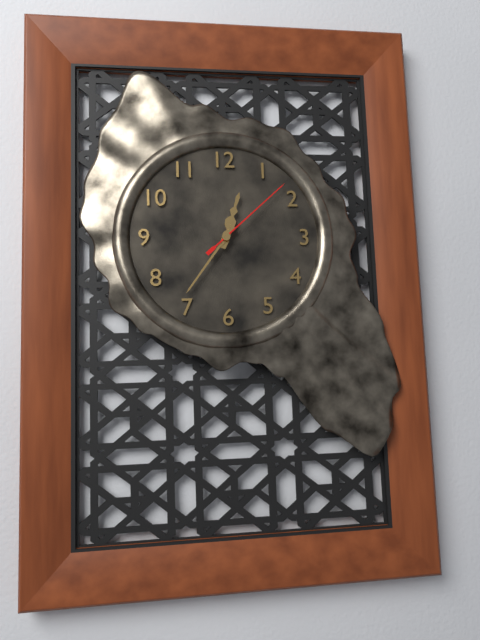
12:36:08
